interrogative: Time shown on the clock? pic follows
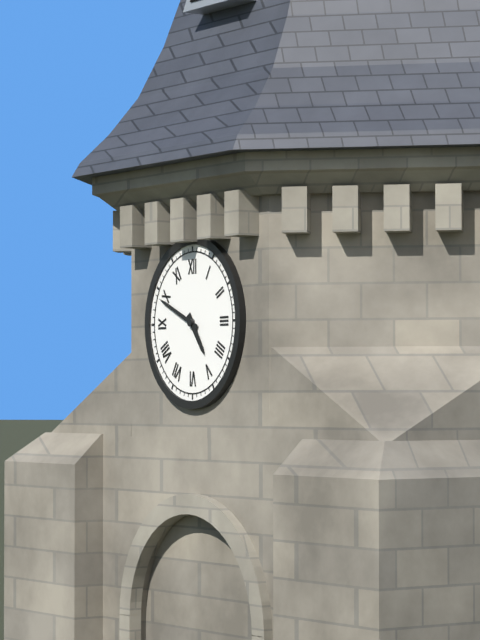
4:49
